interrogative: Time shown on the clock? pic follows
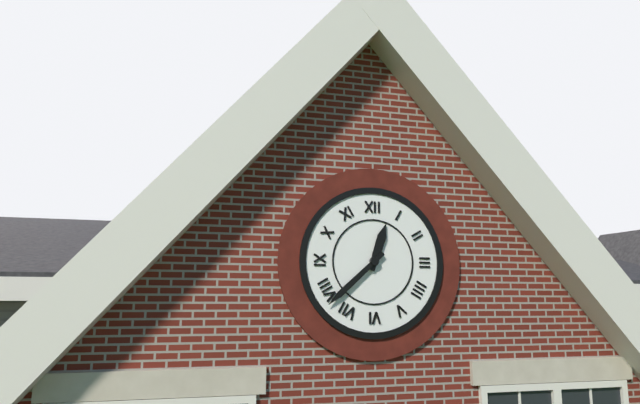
12:38
